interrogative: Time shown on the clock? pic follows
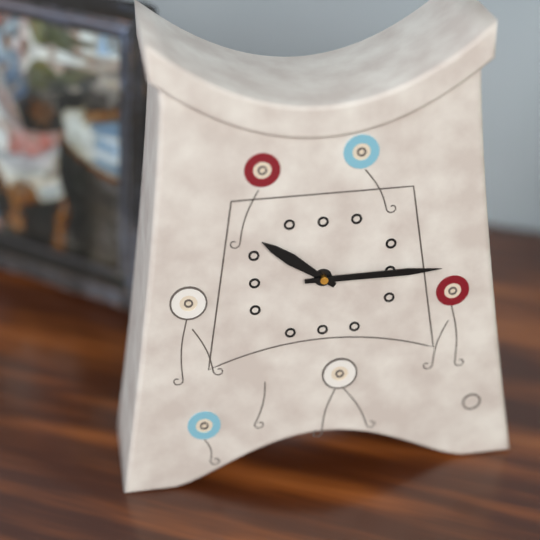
10:15
